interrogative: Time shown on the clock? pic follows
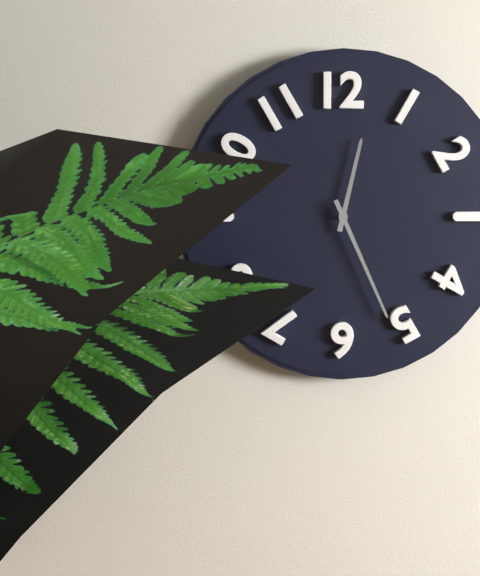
12:26
